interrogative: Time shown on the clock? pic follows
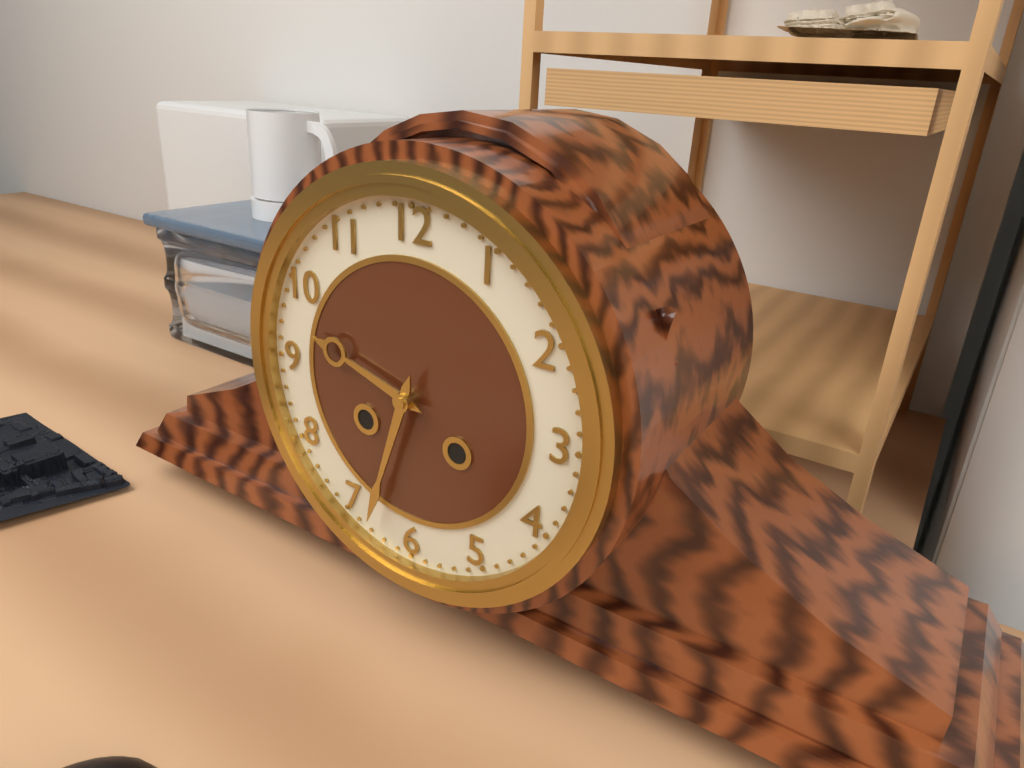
9:33
